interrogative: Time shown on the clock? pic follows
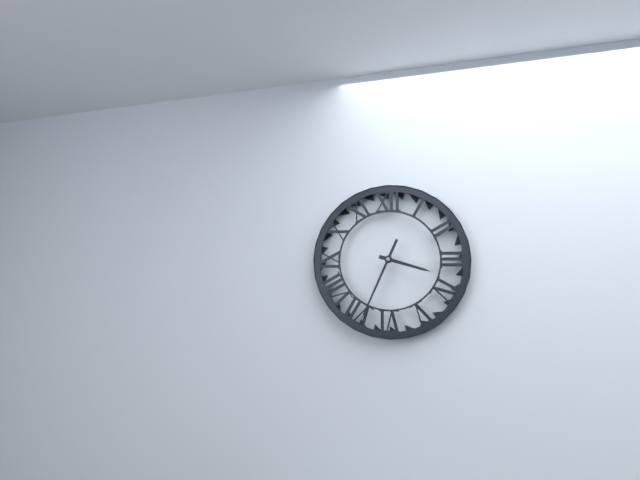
3:34
